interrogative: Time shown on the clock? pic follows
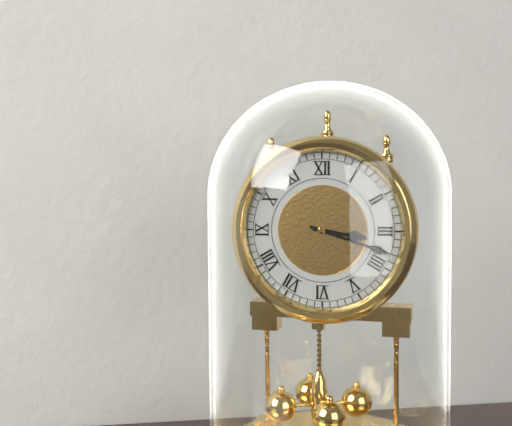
3:18
